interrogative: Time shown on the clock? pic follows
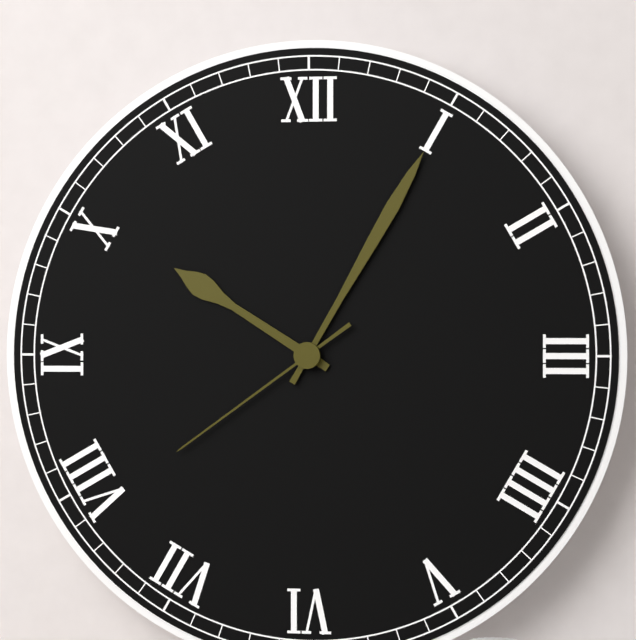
10:05:39
